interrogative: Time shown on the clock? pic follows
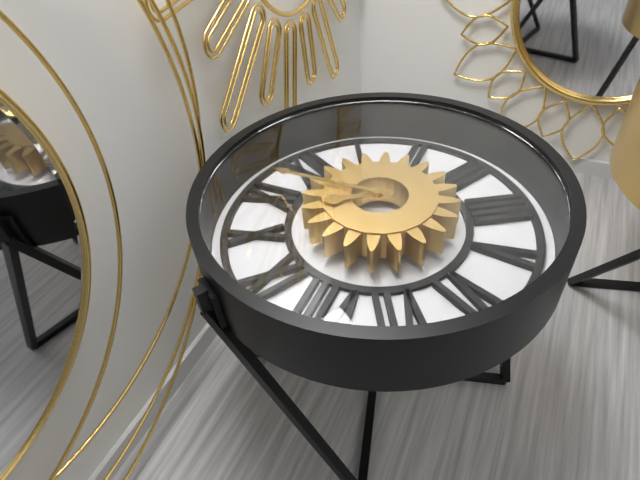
9:55
